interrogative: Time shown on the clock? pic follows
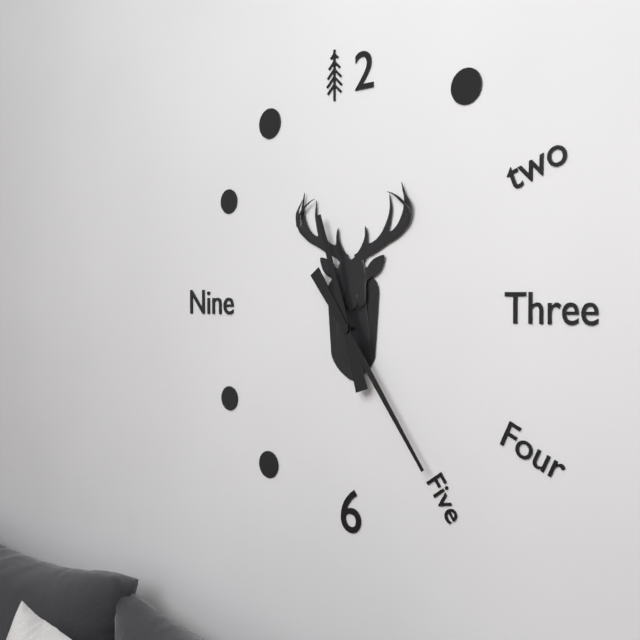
11:24
